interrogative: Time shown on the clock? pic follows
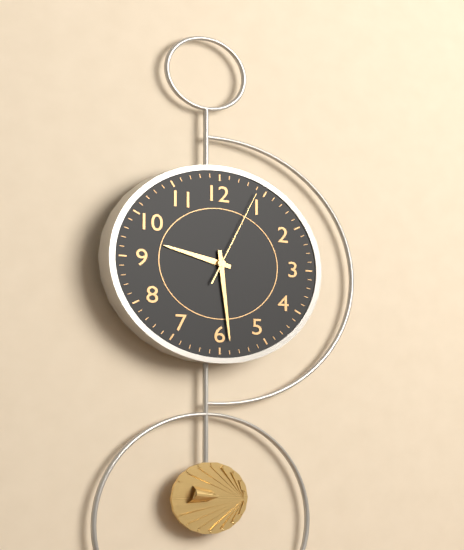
9:29:04
